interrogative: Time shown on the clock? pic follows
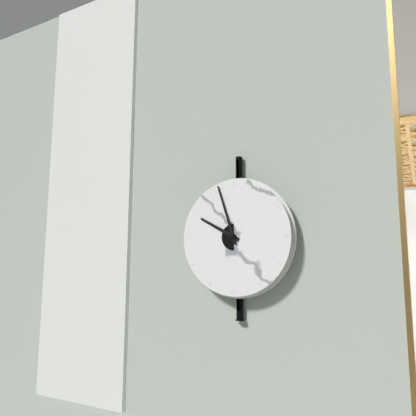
9:57
